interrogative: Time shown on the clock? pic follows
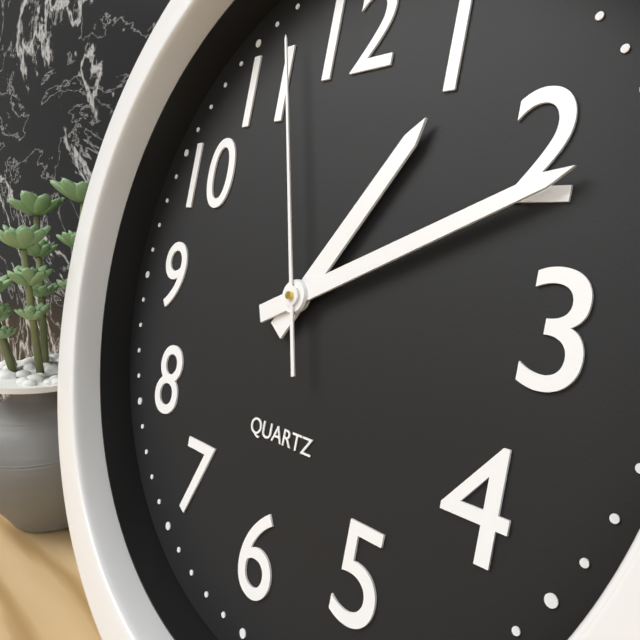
1:11:57
